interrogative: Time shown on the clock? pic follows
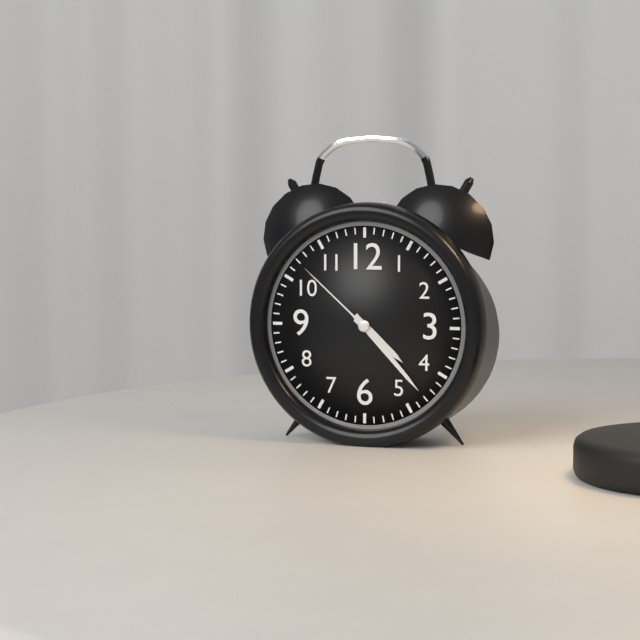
4:23:52
